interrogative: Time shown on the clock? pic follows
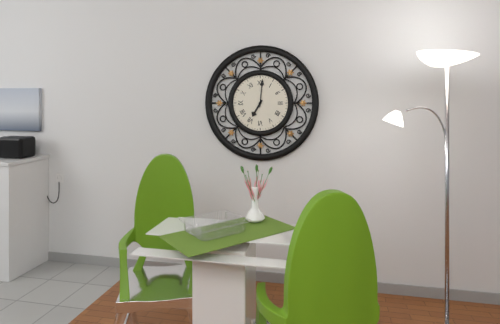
7:01
